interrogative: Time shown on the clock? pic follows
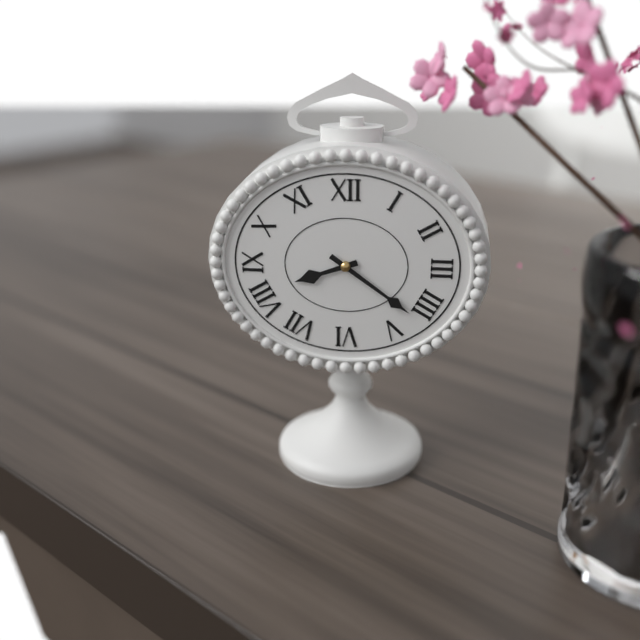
8:21
